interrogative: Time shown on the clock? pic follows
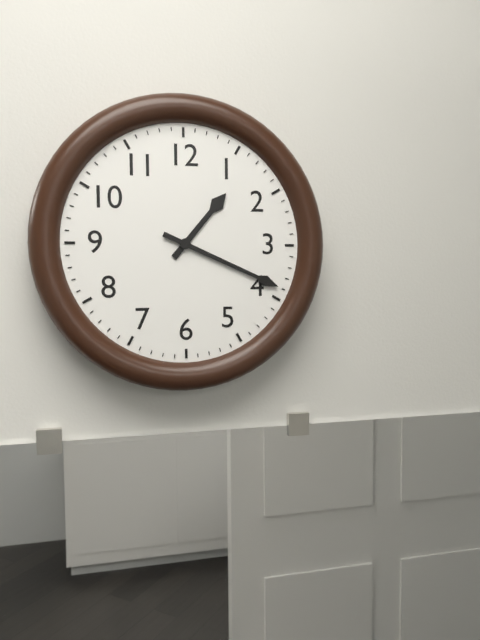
1:19
